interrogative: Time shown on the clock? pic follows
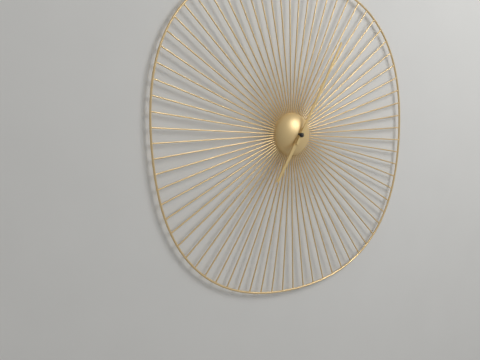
7:05
